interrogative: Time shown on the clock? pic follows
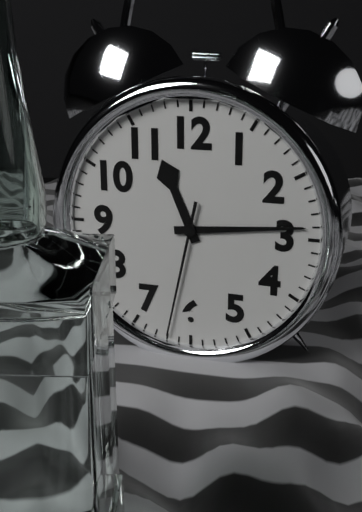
11:14:32
